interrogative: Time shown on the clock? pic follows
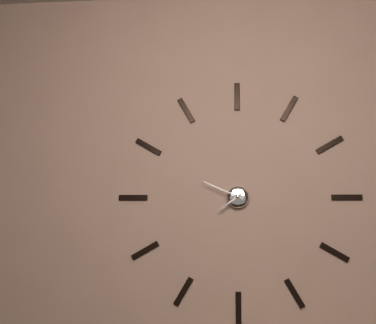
7:49
